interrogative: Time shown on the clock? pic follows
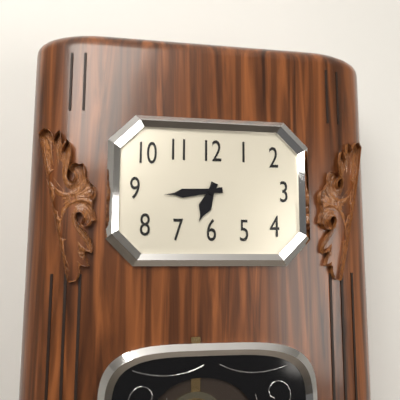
6:44
